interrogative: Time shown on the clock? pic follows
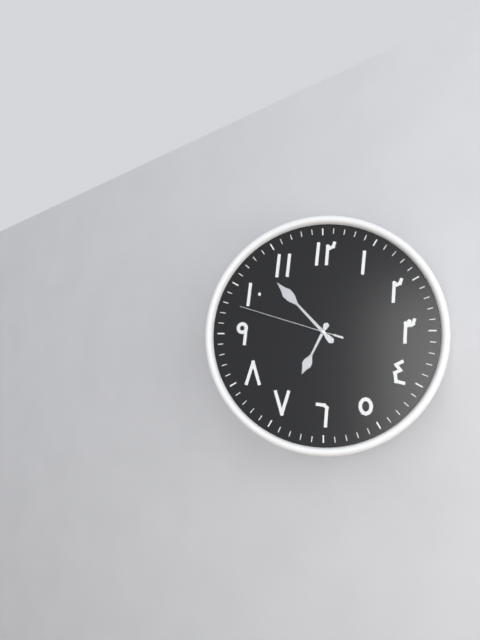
6:53:48
